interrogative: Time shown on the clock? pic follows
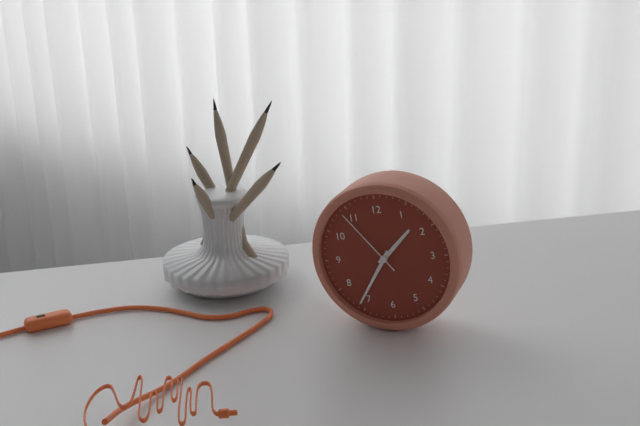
1:36:54
